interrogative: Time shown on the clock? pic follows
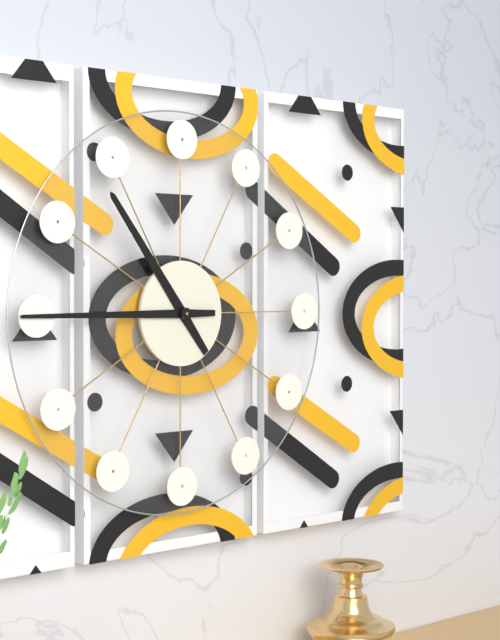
10:45
